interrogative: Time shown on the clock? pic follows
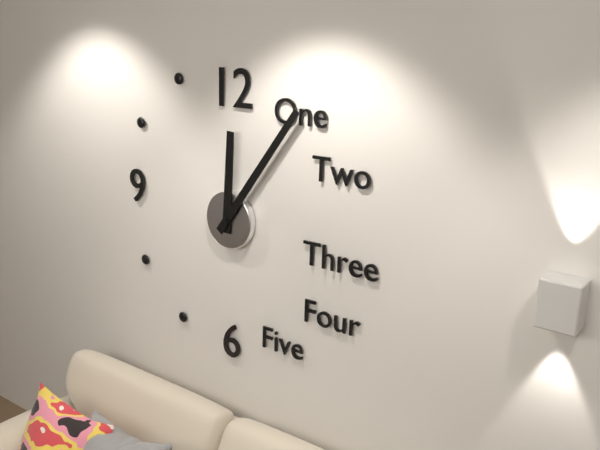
12:06
